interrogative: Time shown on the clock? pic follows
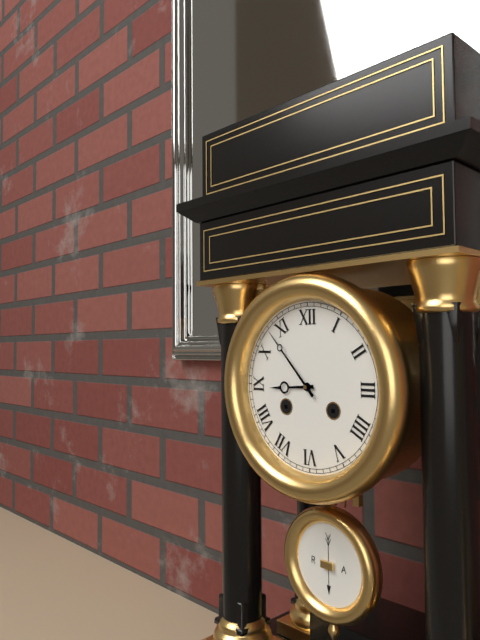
8:53
